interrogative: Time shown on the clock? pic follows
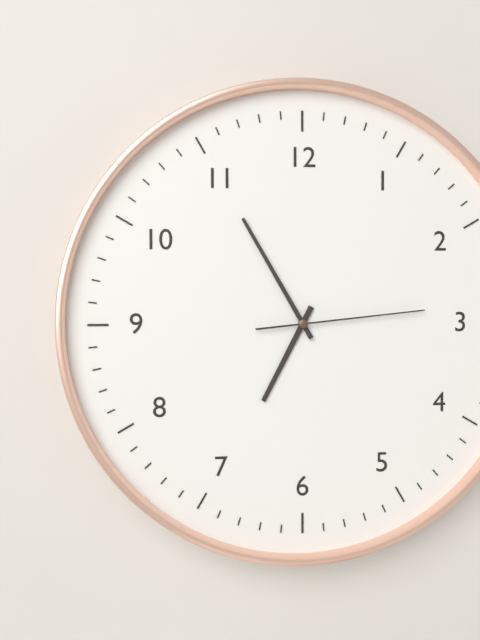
6:55:14
